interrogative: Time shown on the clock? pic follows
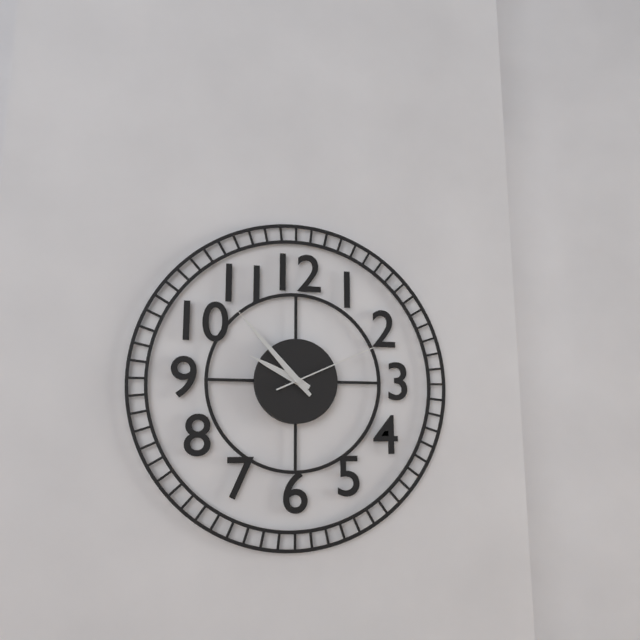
9:53:11
